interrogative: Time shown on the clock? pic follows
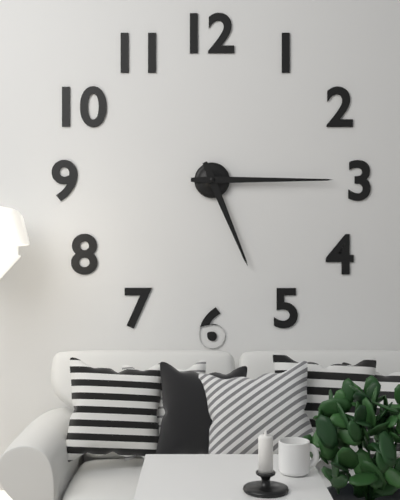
5:15
